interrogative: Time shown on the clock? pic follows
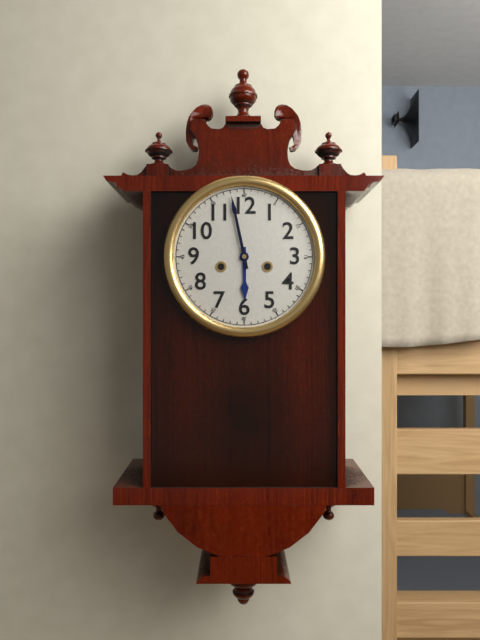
5:58
